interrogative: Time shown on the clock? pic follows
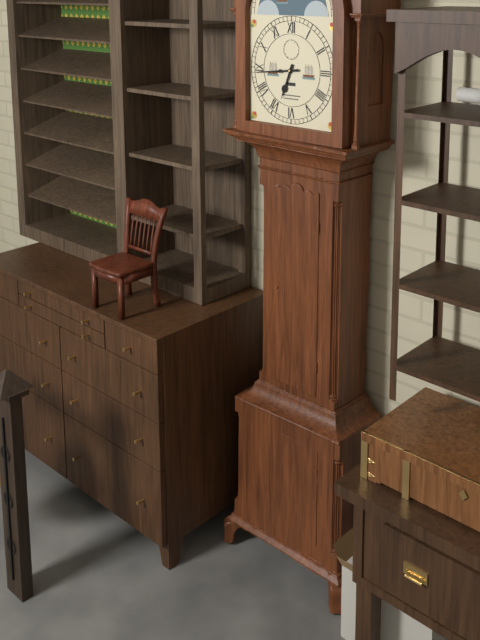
6:44
